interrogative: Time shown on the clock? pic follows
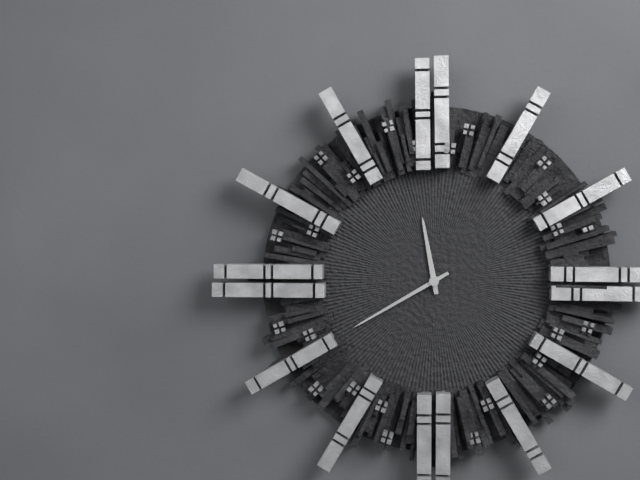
11:40
